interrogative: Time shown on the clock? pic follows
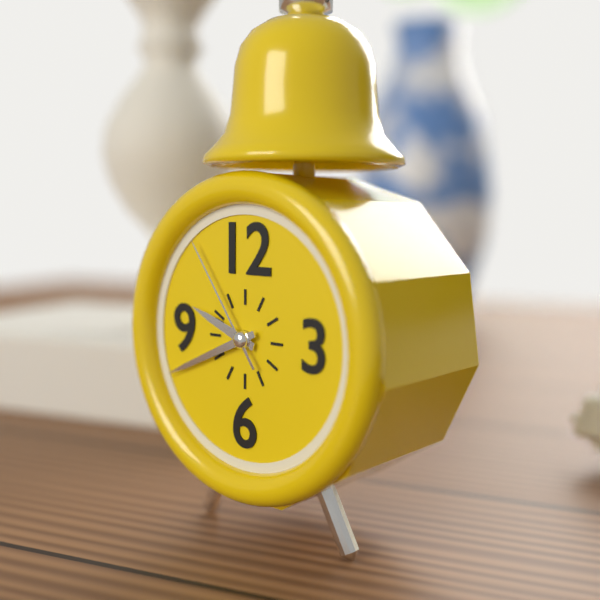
9:41:54
